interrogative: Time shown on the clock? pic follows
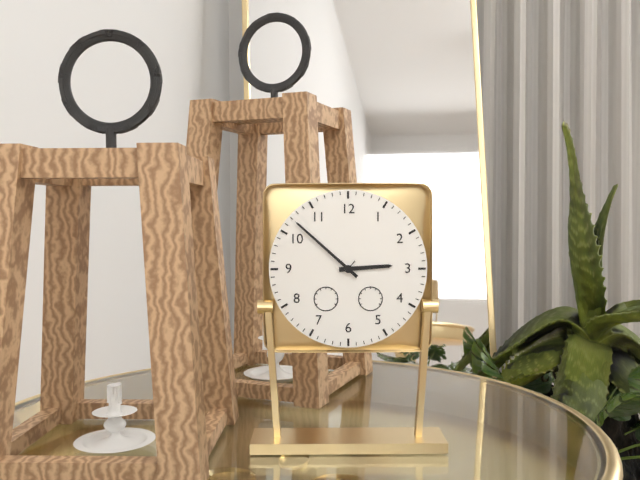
2:52
